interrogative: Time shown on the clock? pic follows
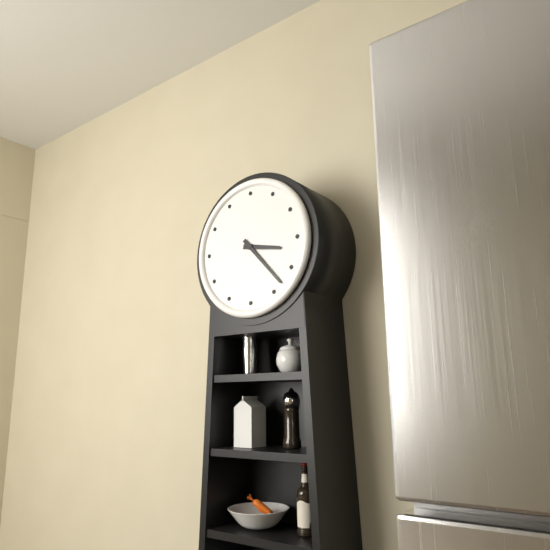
3:23
